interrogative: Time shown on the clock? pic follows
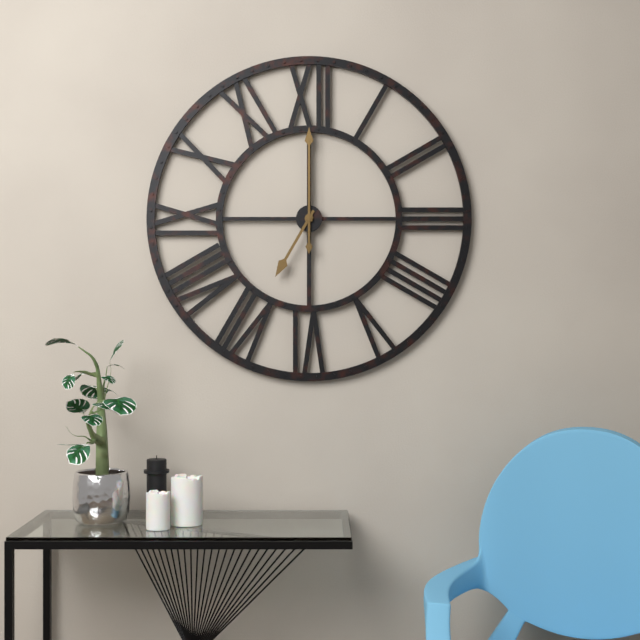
7:00
